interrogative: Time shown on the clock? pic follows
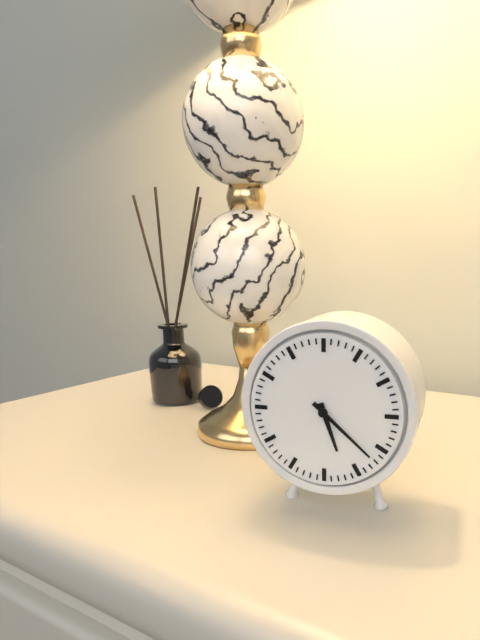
5:22
